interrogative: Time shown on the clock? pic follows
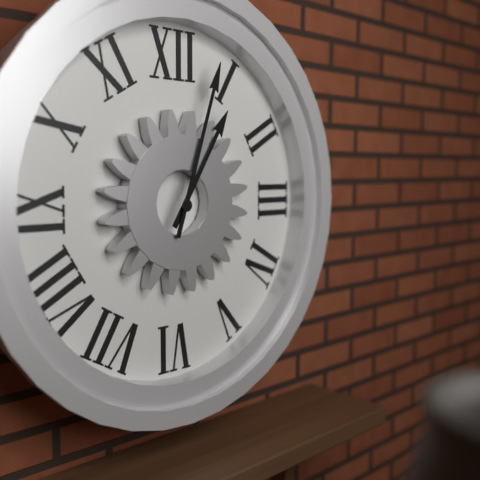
1:03
